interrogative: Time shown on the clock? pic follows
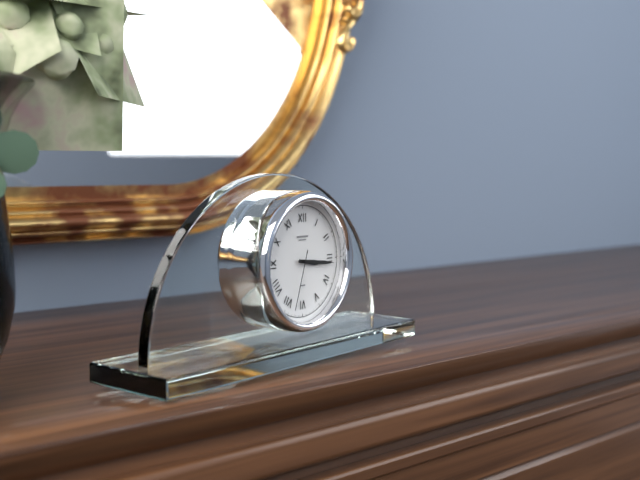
3:16:33
